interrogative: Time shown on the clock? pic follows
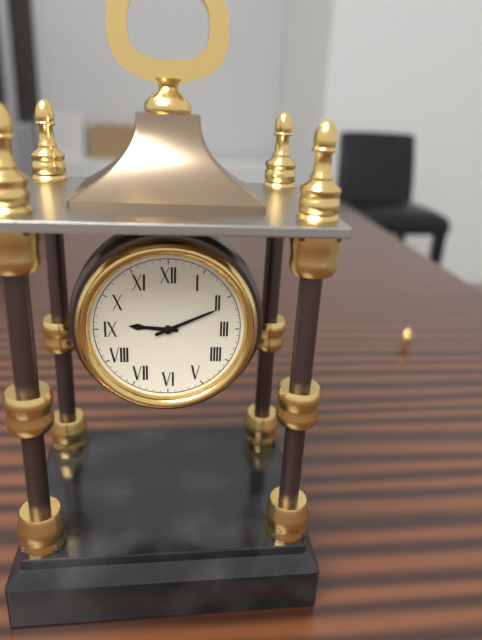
9:11
